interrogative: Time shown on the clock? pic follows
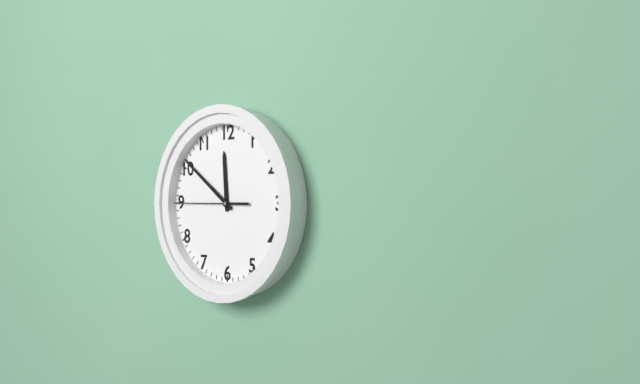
11:51:45
